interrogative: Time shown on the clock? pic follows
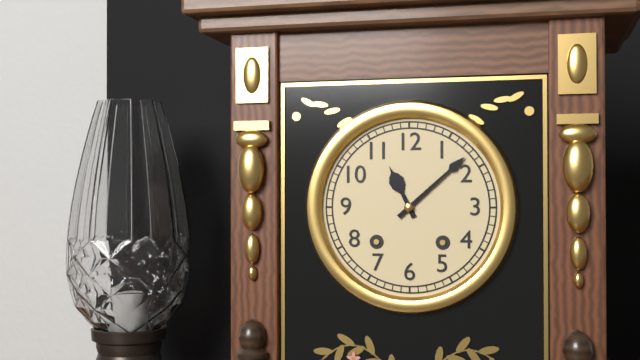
11:08
